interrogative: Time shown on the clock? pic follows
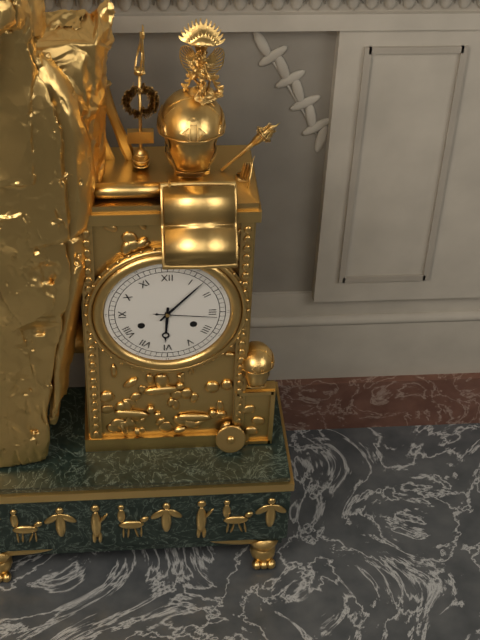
6:07:16
